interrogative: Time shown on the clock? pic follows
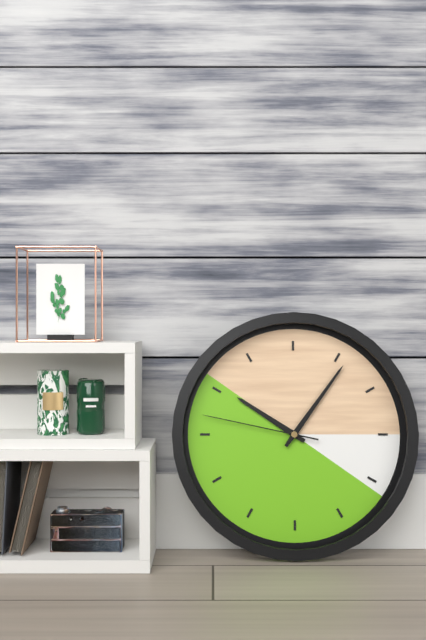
10:06:47
